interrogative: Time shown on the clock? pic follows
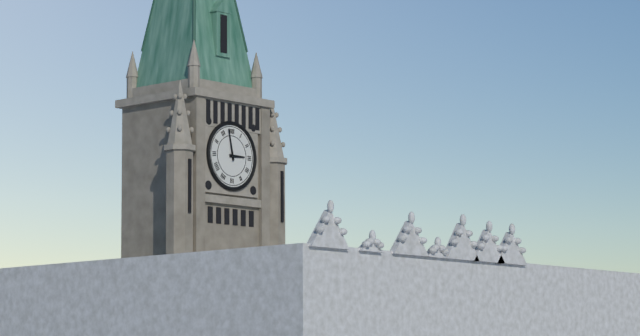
2:58
